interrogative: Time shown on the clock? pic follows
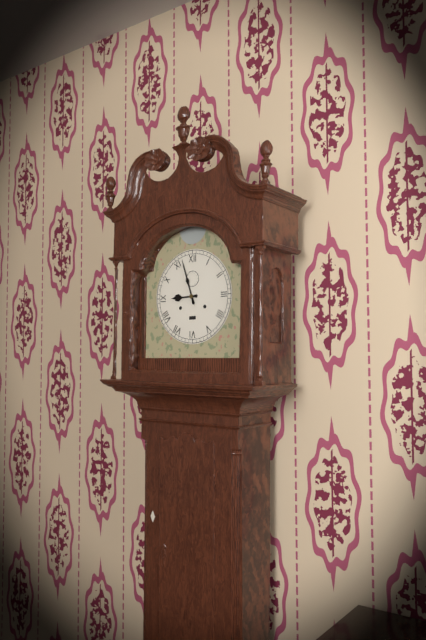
8:57
